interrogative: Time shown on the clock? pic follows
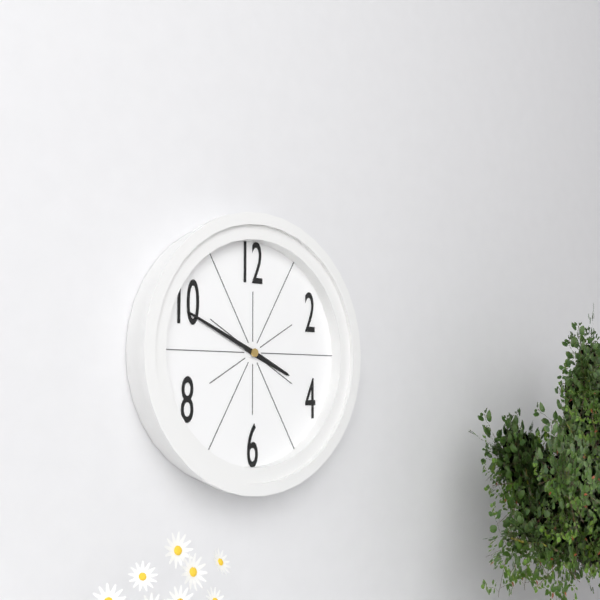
3:49
